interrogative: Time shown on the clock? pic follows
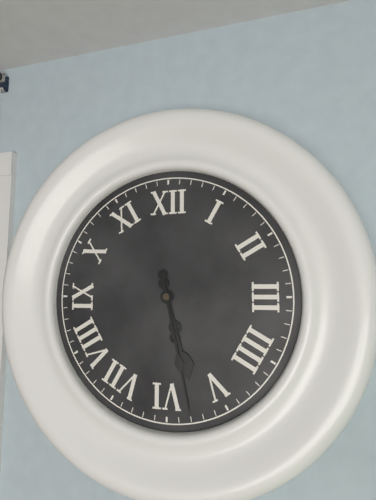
5:28
